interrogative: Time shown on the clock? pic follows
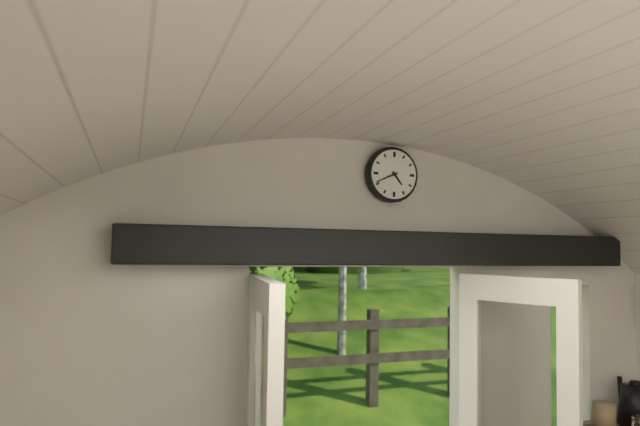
4:41
